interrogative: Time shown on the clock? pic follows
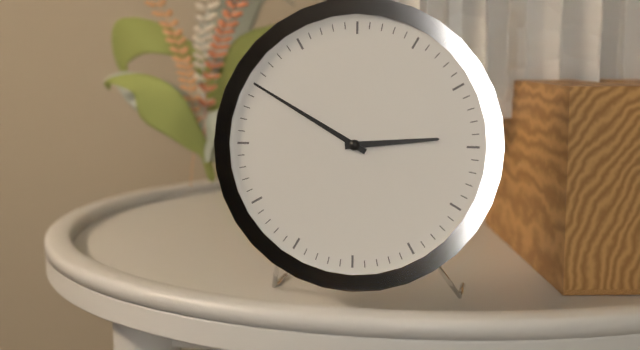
2:50
